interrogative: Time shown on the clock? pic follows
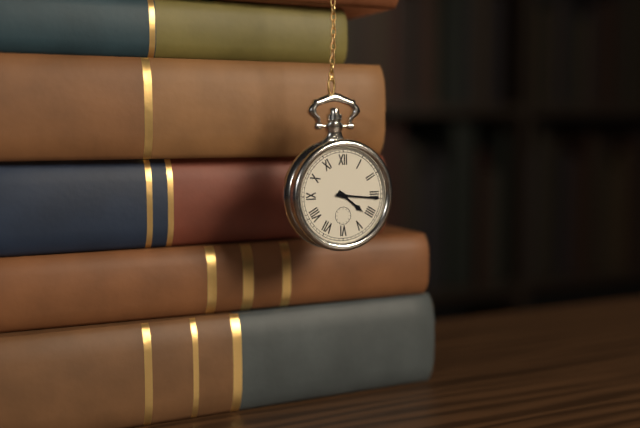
4:16
